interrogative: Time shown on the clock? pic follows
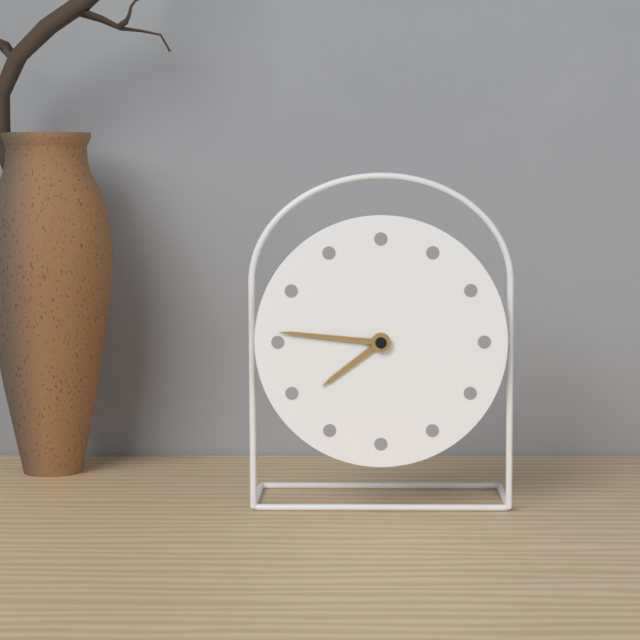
7:46
